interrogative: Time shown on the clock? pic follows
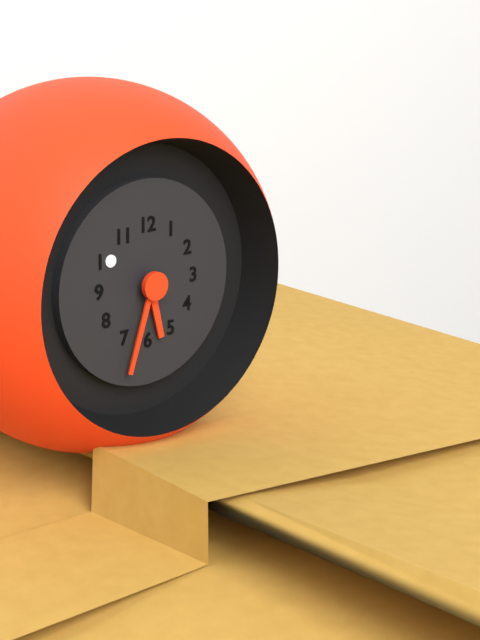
5:33
